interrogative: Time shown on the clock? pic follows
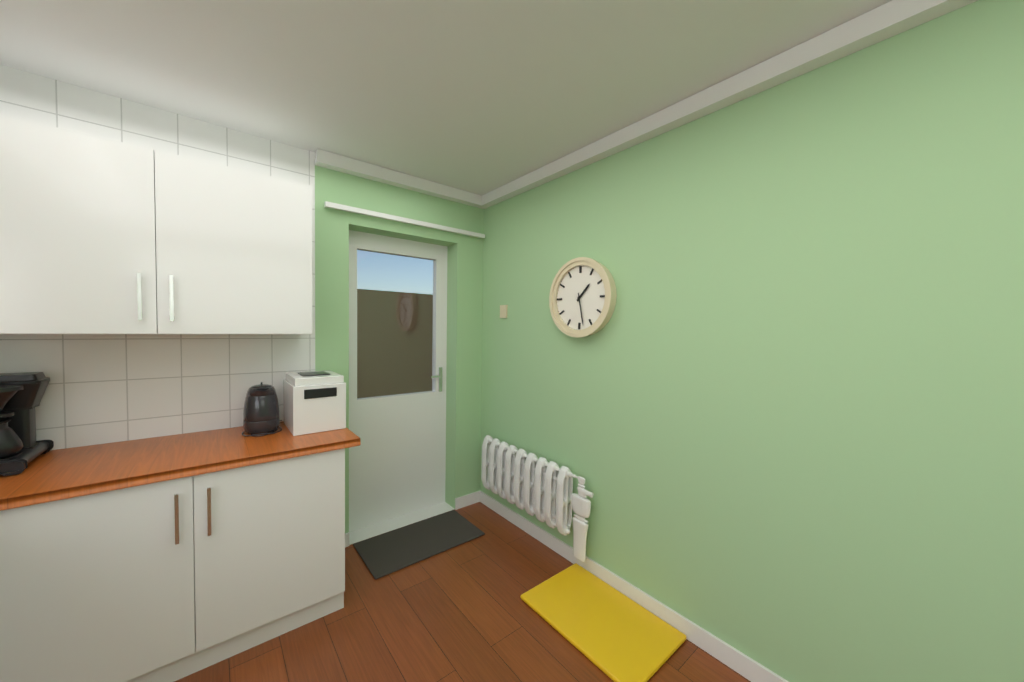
1:28
